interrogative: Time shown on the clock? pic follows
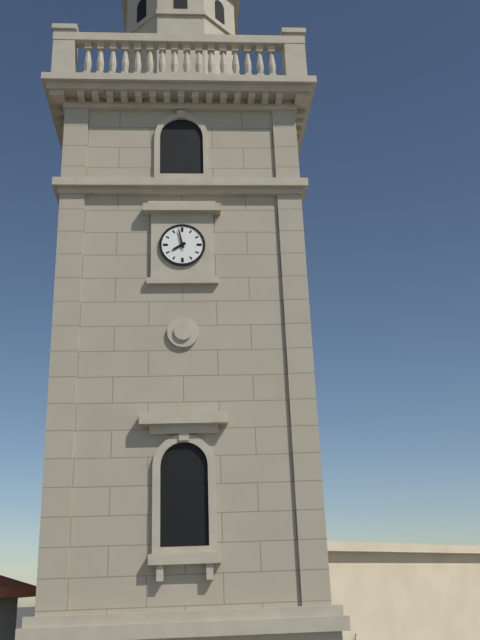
7:58
